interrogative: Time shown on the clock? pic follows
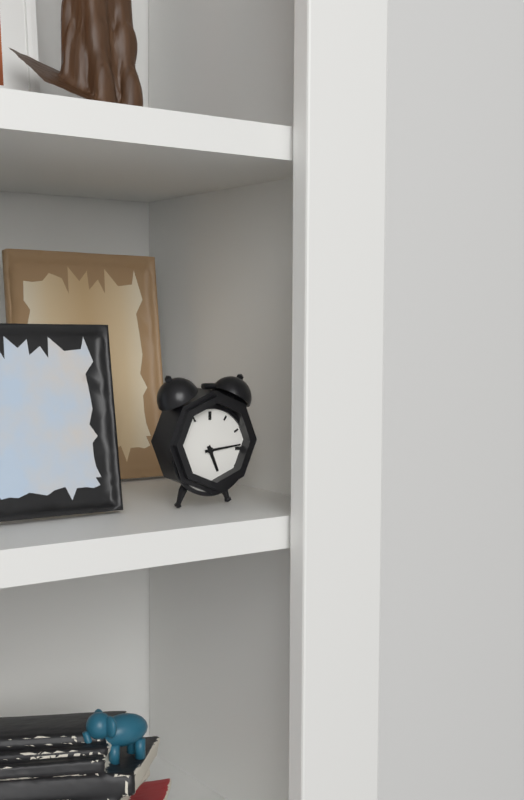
5:14
